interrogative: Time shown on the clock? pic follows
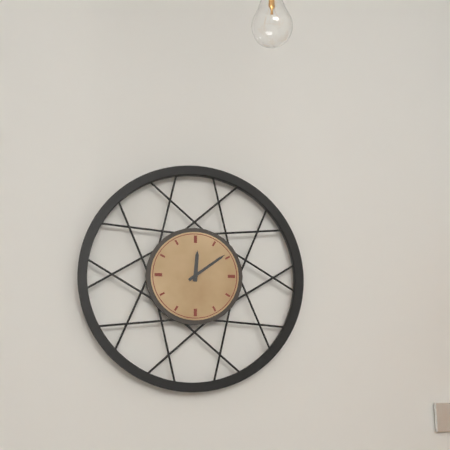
12:09
